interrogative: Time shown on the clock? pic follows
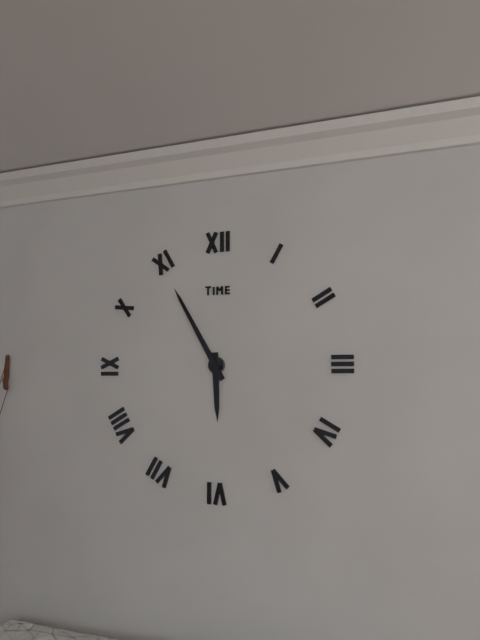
5:55
